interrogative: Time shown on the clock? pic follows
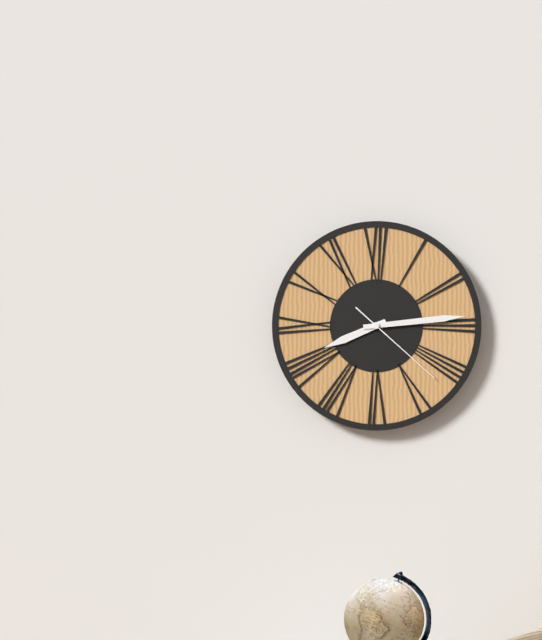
8:14:22
